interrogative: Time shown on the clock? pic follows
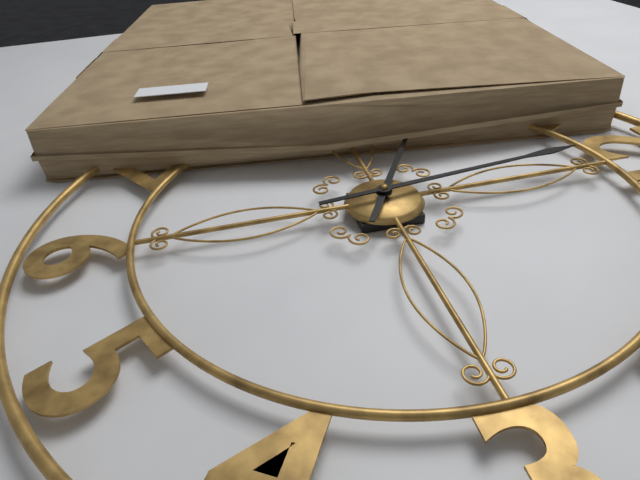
9:59
